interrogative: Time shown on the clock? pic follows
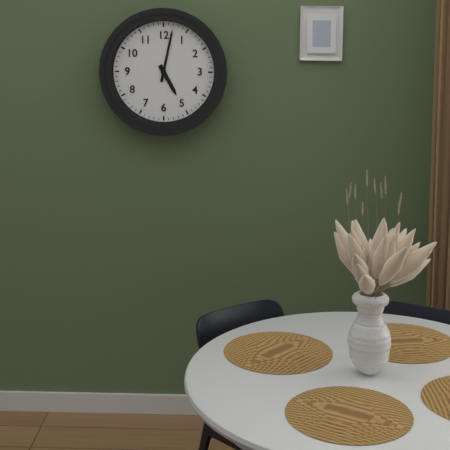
5:02
